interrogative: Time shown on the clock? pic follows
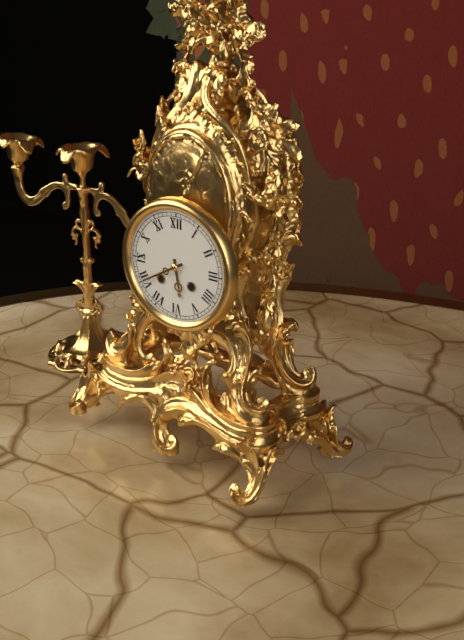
5:40
